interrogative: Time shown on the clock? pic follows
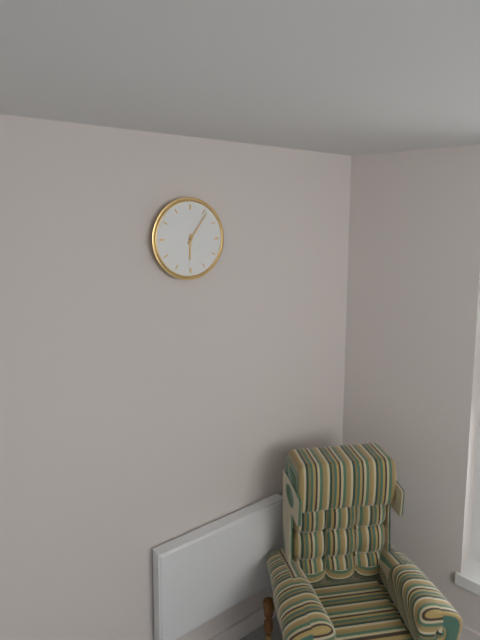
6:06
